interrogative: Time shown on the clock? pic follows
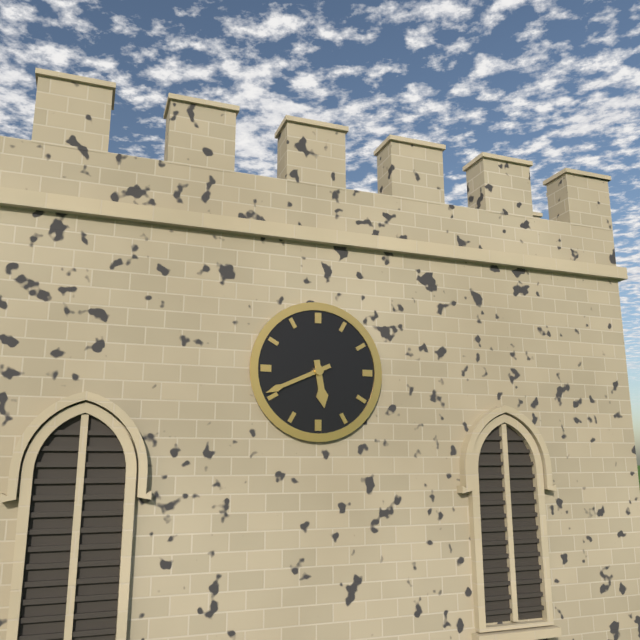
5:41
